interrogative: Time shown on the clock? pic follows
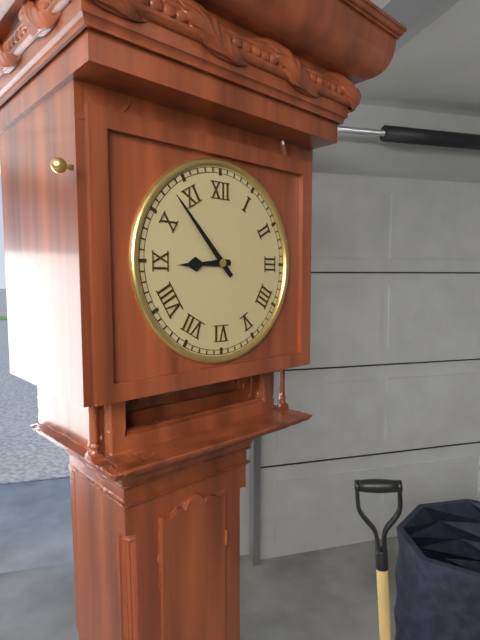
8:53
